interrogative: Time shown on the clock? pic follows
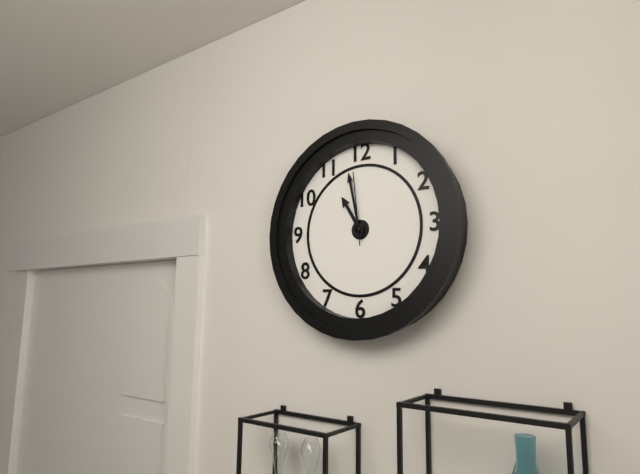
10:58:59
